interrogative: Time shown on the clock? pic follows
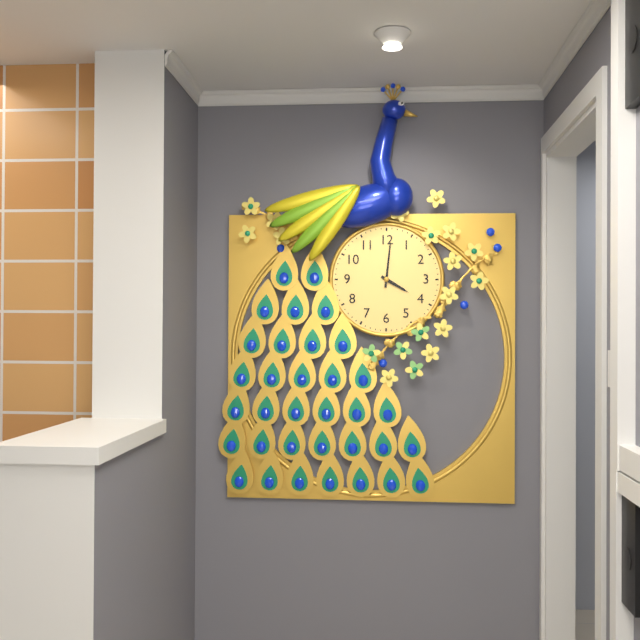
4:01
